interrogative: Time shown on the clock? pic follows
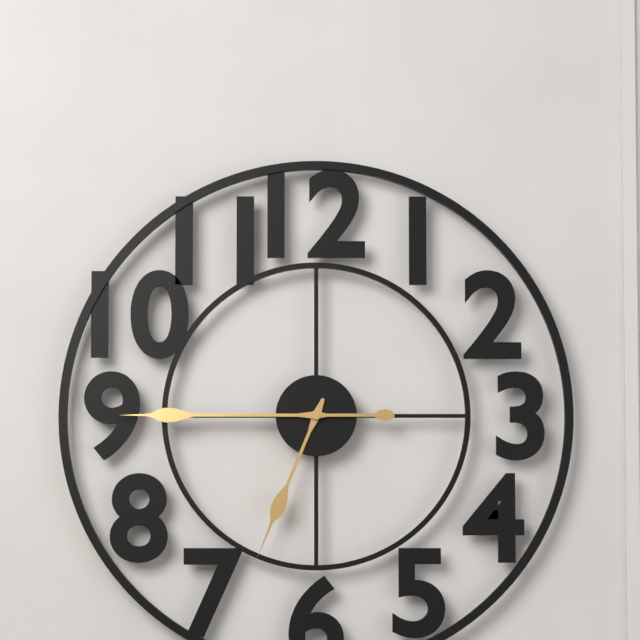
6:45
